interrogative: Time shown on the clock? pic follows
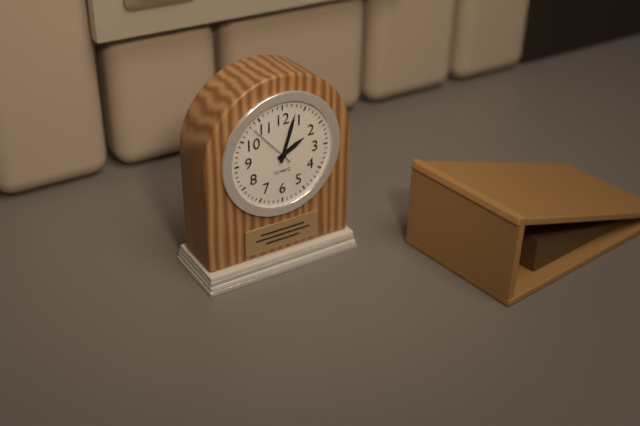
2:03
